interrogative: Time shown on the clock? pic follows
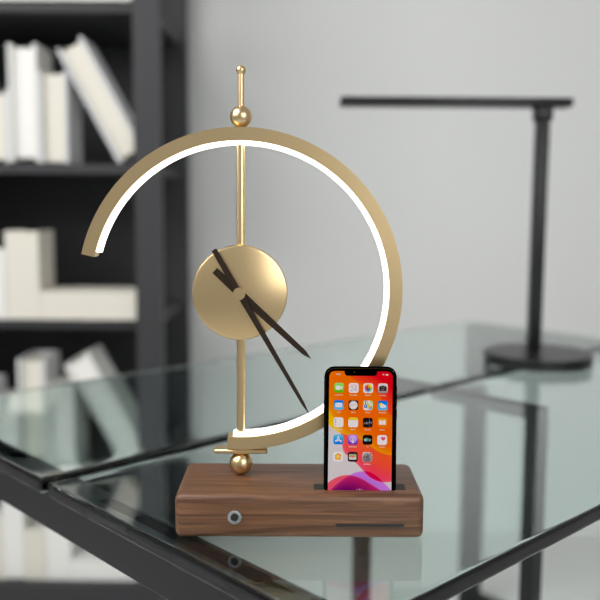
4:25
